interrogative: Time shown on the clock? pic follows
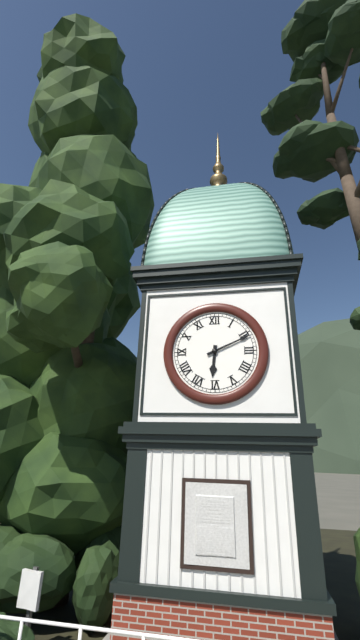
6:11
